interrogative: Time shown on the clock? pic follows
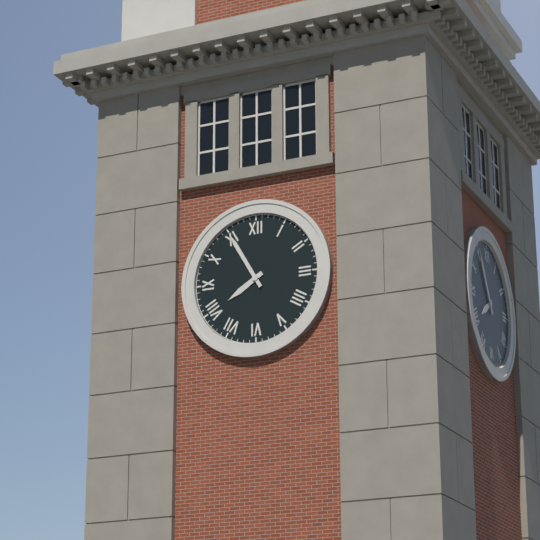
7:55
